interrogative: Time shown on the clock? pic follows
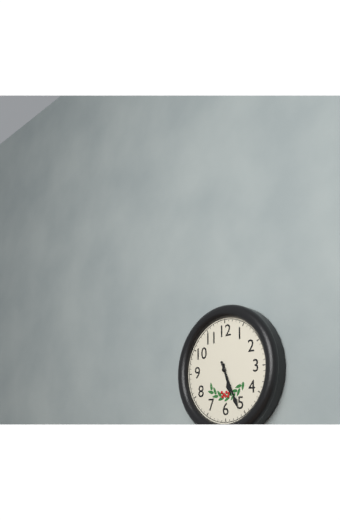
5:26
